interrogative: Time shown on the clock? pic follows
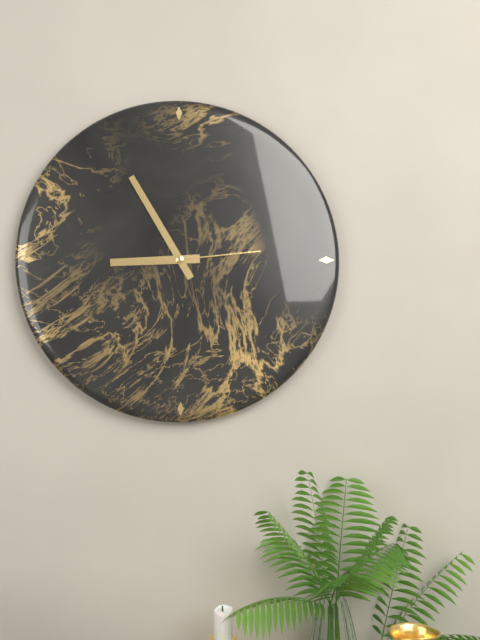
8:55:14
